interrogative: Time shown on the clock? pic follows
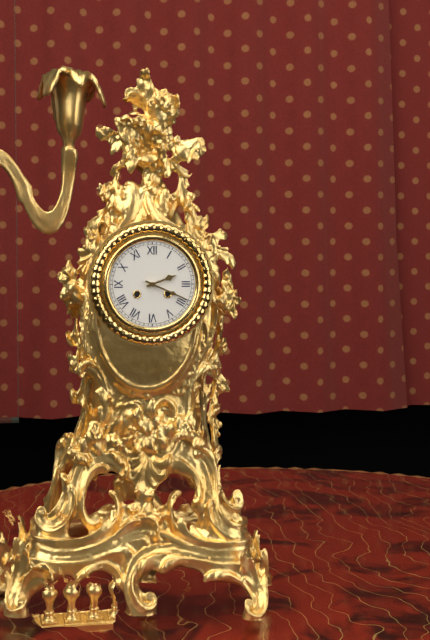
2:19
